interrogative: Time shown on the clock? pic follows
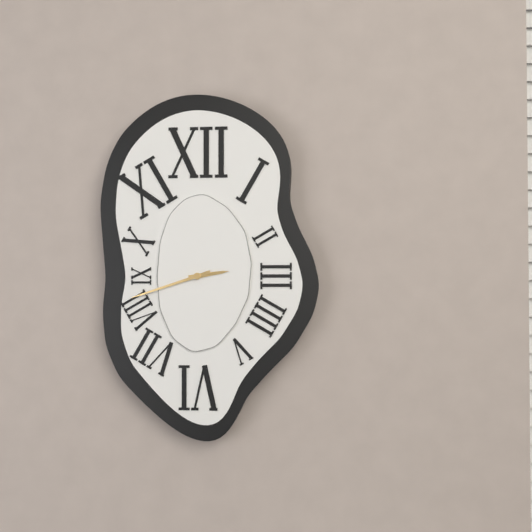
2:42
